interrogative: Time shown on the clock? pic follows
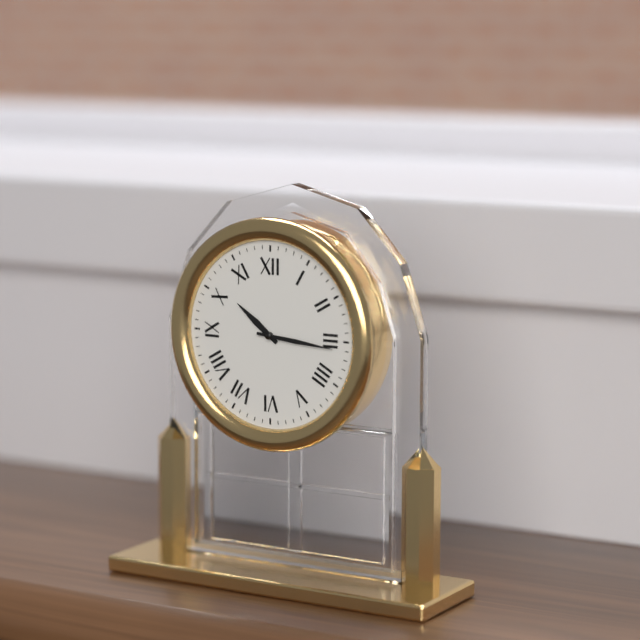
10:16
